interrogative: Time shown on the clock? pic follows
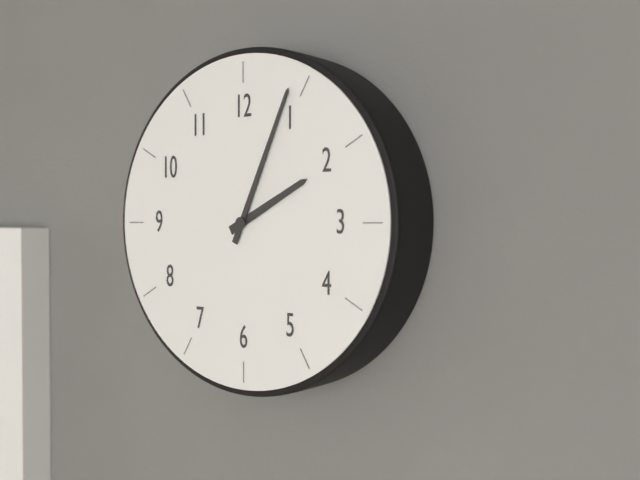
2:04
